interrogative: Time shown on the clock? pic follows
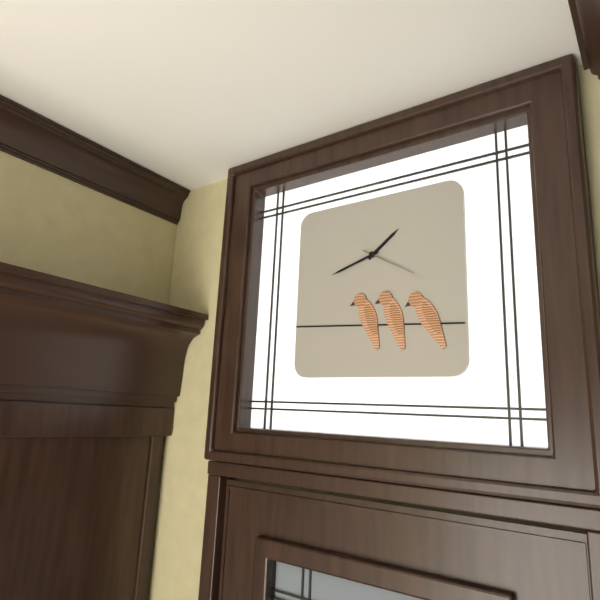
1:42:20
